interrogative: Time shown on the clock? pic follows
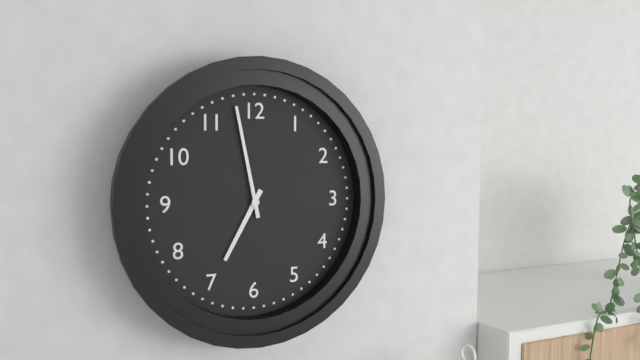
6:58
